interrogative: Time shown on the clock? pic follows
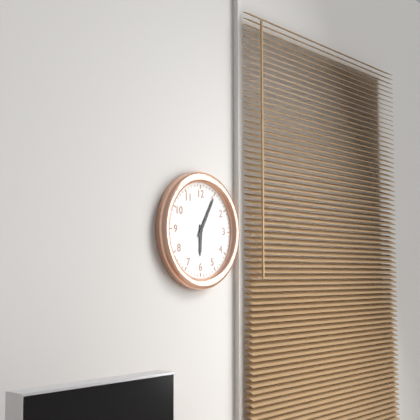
6:05
